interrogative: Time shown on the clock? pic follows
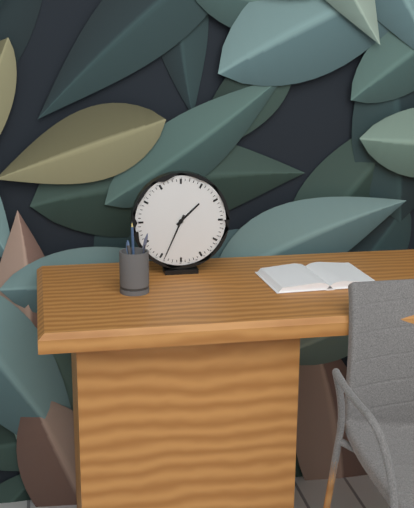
1:34
